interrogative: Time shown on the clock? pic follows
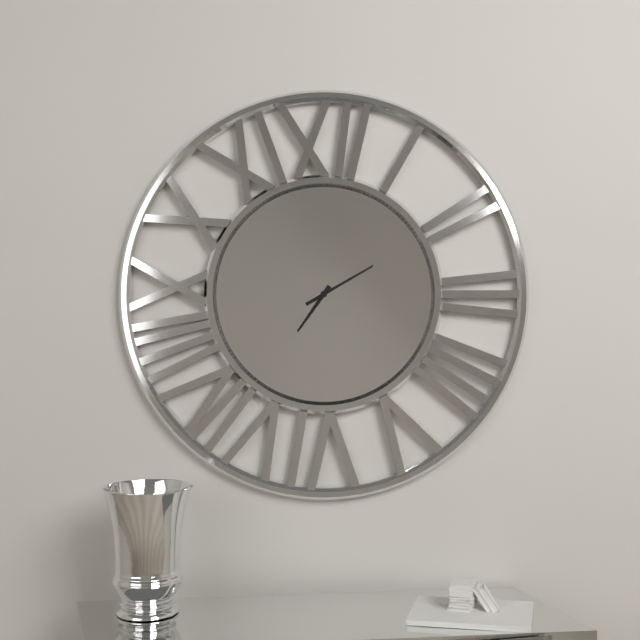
7:10
